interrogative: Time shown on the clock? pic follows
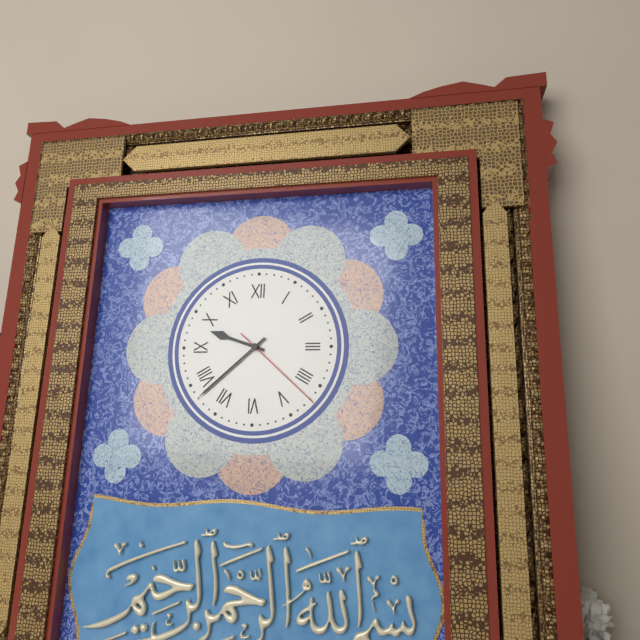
9:38:22
